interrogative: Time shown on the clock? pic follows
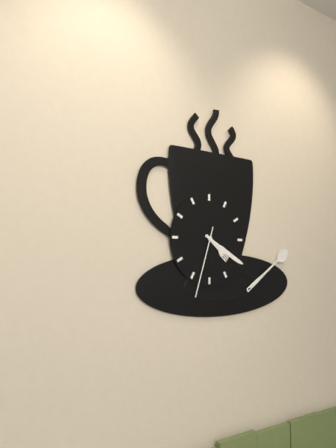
4:20:33
